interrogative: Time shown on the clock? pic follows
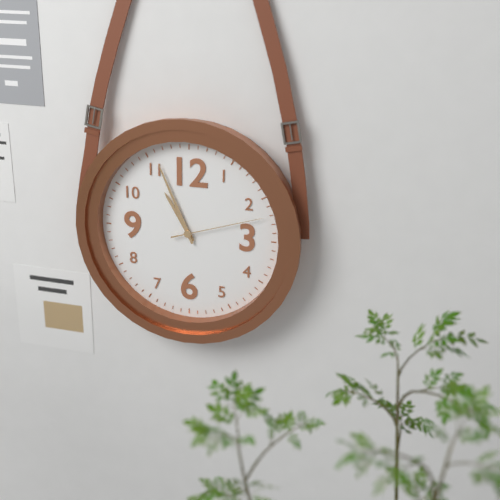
10:56:12
